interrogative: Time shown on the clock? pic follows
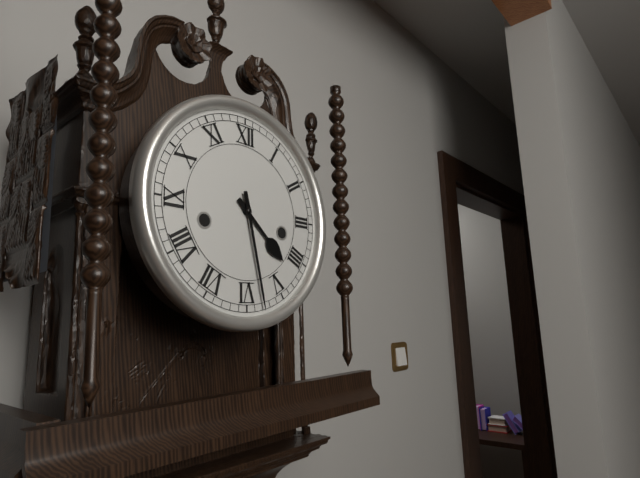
4:28
